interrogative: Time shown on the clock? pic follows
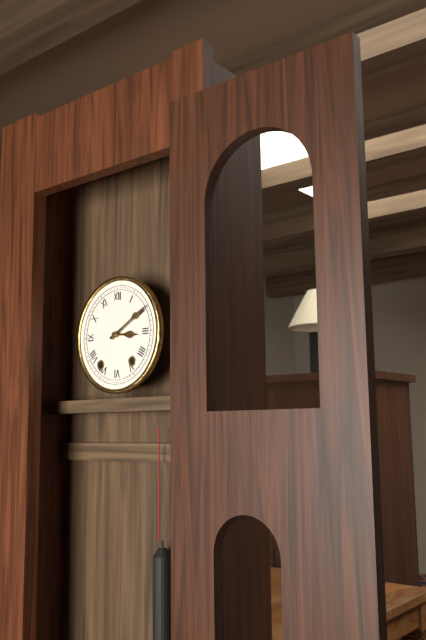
3:10
